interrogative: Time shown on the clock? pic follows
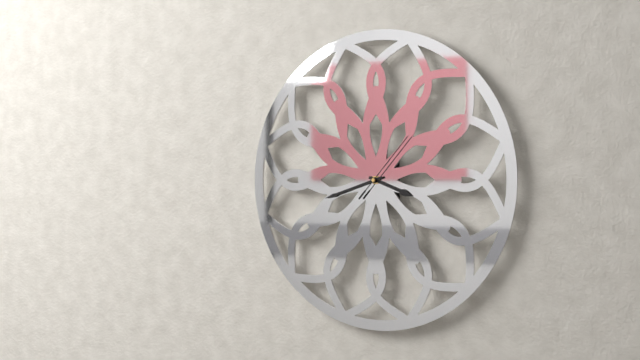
3:42:07
